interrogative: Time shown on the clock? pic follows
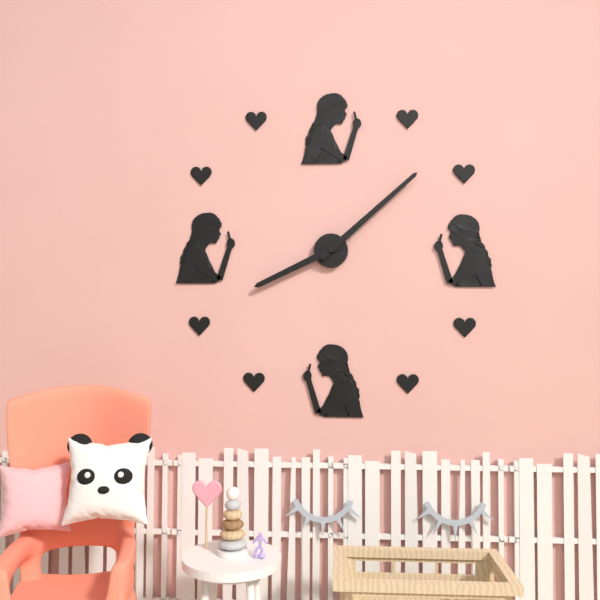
8:08
